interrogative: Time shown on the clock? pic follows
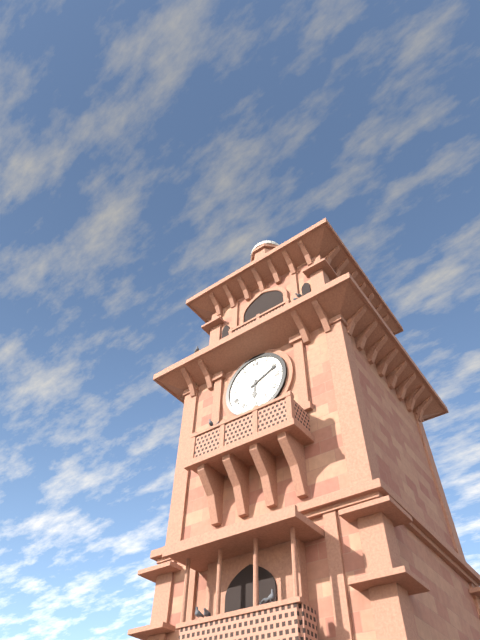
6:11
